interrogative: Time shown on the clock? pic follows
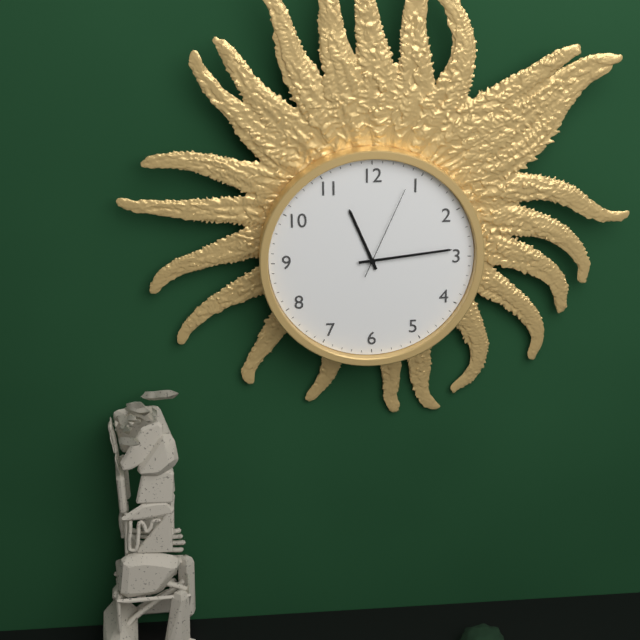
11:14:04
